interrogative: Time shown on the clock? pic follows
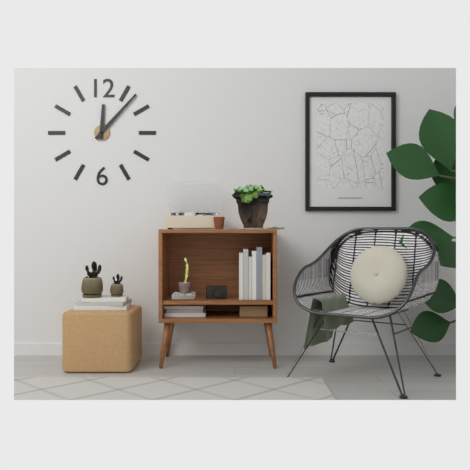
12:07
